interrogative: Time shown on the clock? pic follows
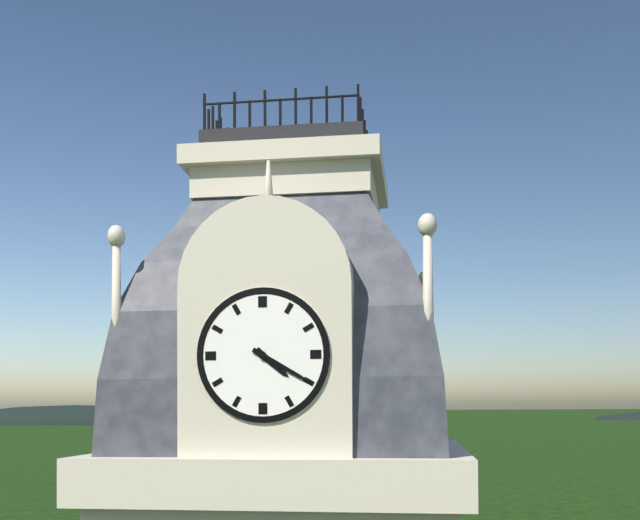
4:20
